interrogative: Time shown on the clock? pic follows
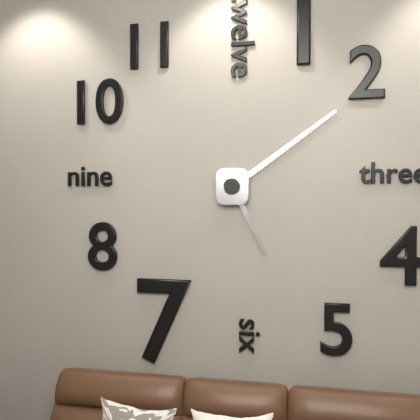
5:09
